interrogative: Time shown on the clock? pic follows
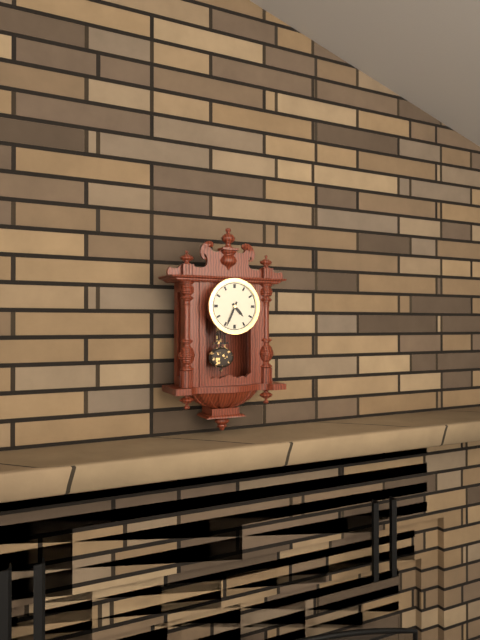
4:34
